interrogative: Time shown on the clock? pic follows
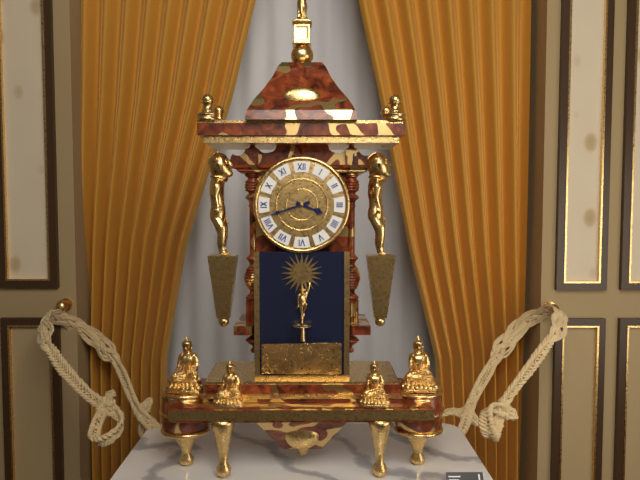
3:42
